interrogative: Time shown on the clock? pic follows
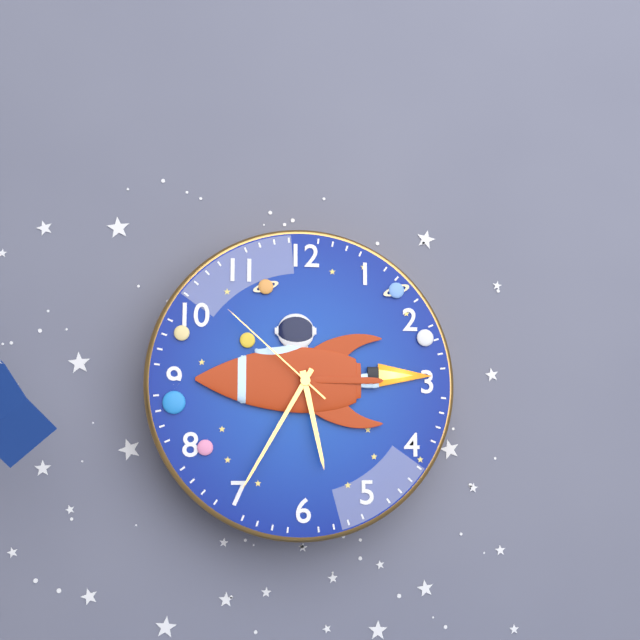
5:35:52
